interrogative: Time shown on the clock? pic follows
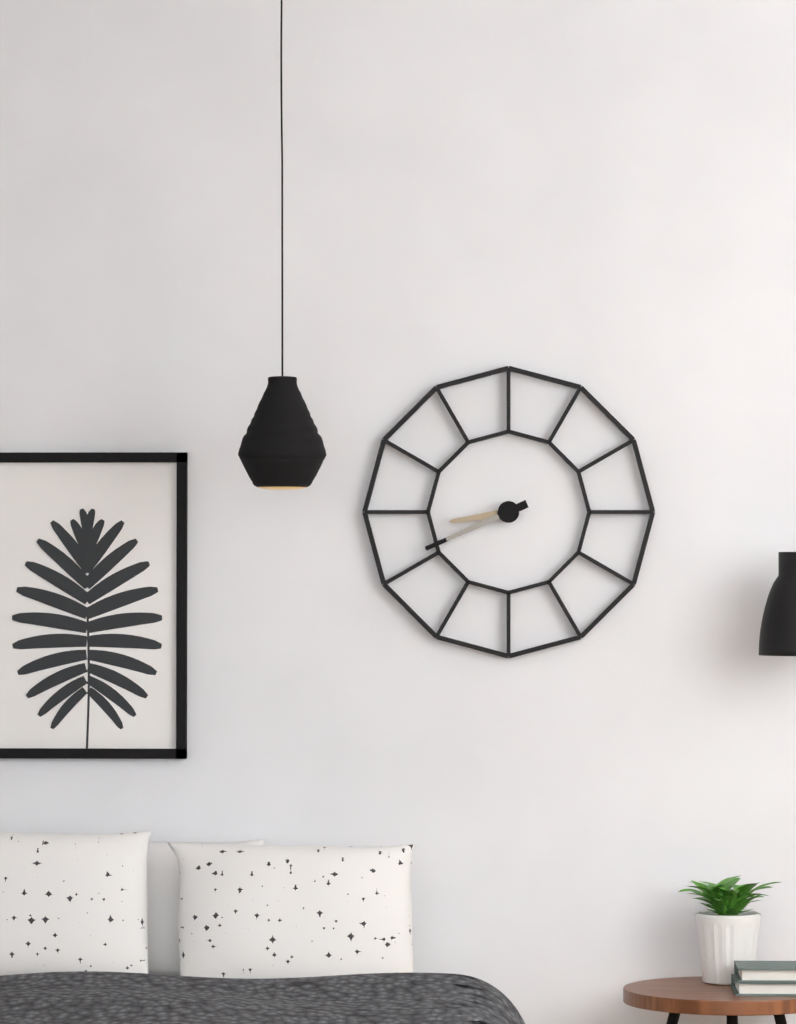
8:41
